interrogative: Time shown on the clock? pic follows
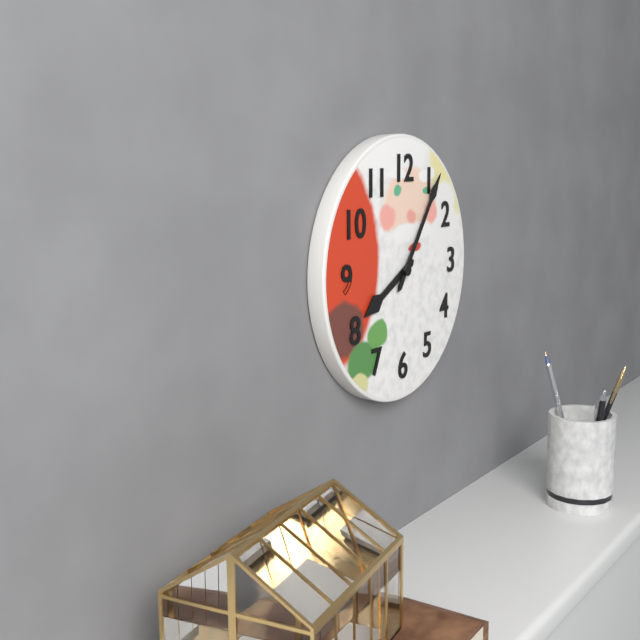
8:06
